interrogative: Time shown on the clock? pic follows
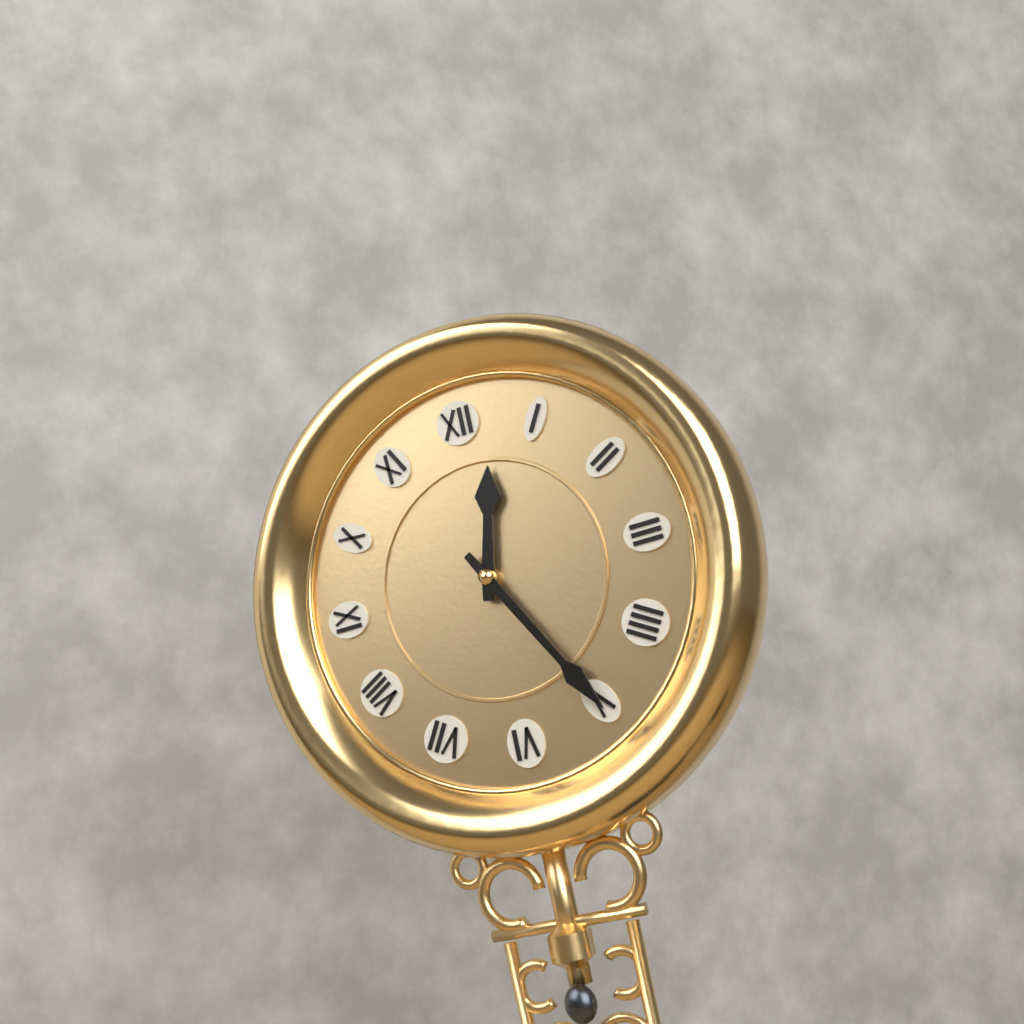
12:25
